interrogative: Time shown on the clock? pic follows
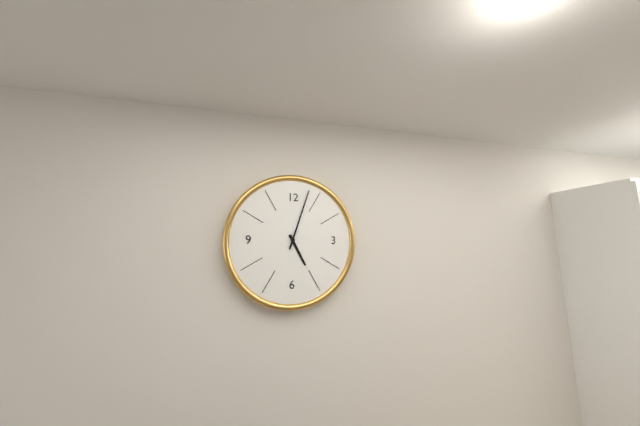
5:03
